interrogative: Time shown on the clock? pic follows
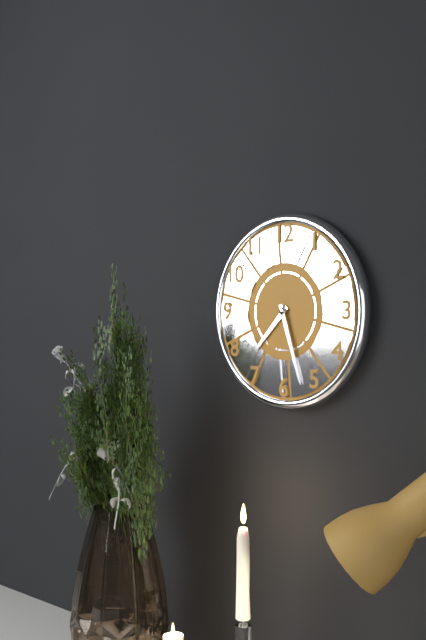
7:27
